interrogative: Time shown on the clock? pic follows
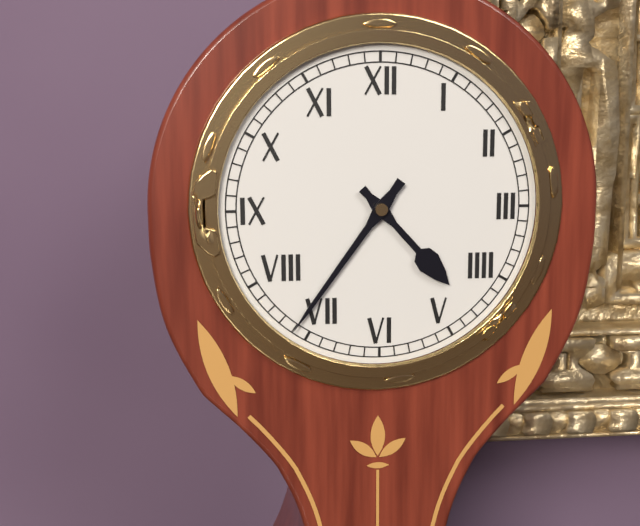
4:36
